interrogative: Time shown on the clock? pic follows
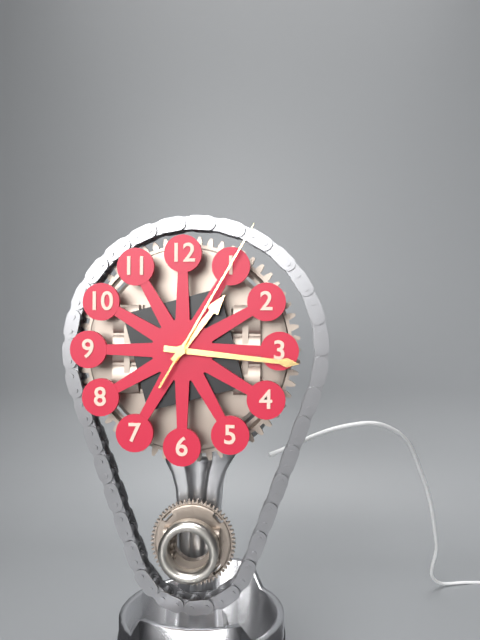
1:16:05
